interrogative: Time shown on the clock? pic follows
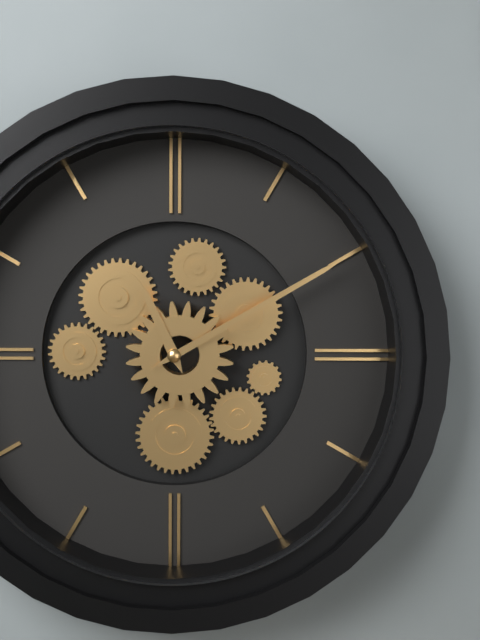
11:10
